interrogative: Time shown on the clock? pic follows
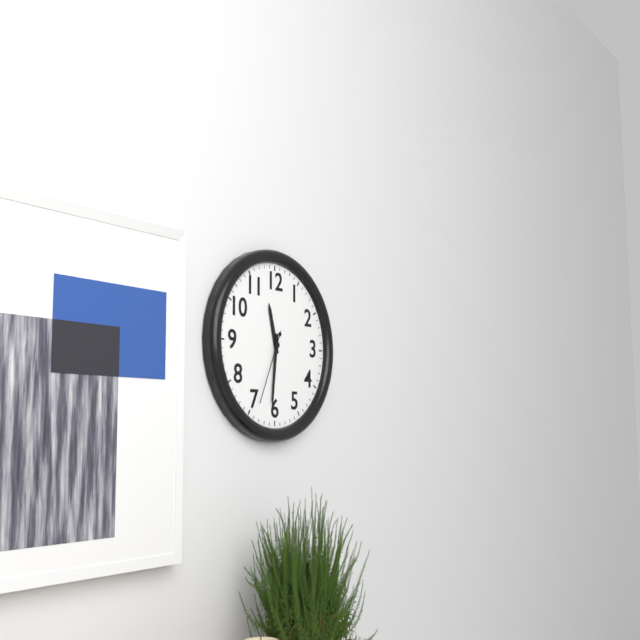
11:31:34
